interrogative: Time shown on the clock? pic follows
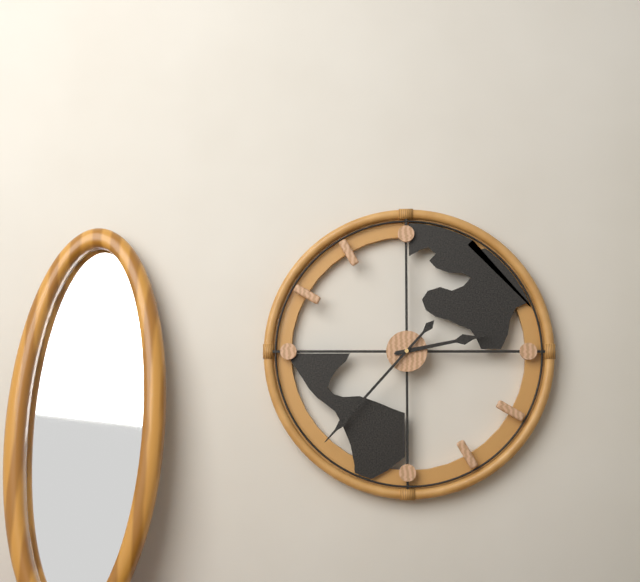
2:37
